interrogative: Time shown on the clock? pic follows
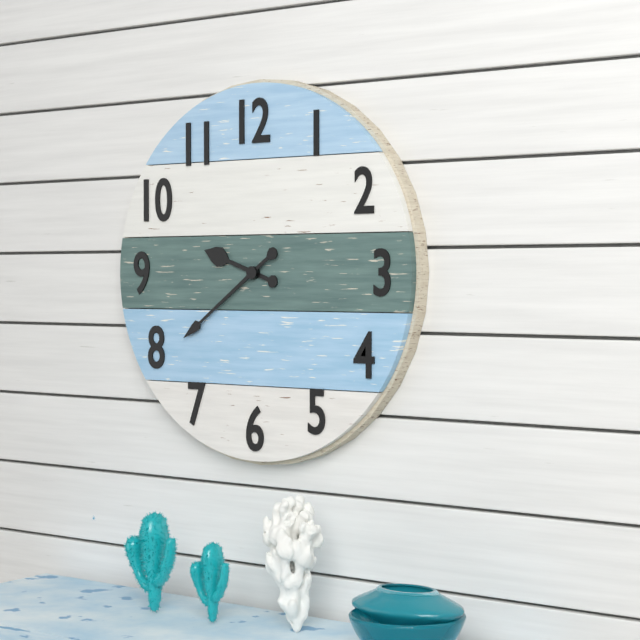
9:39
